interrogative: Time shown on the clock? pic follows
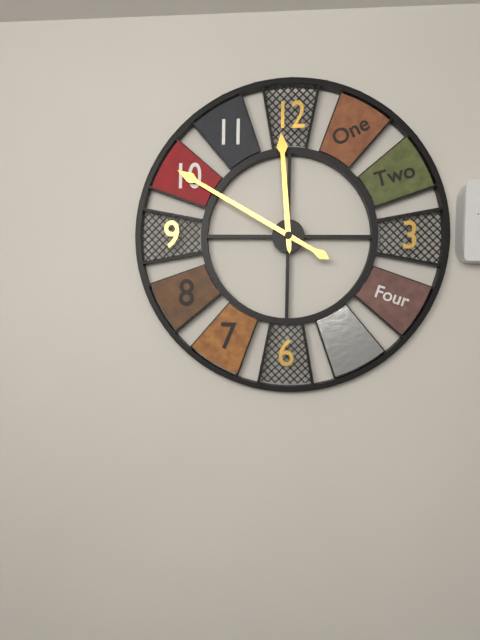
11:50
